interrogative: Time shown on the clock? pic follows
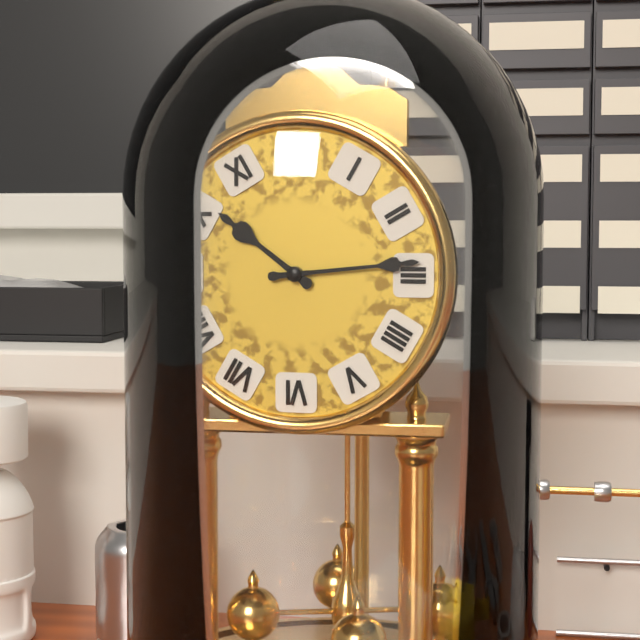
10:14
